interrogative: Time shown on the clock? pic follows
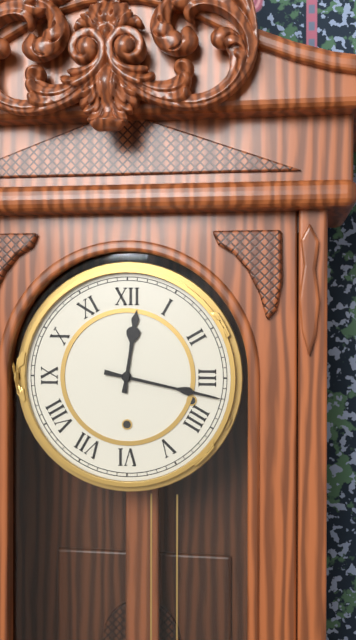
12:17
